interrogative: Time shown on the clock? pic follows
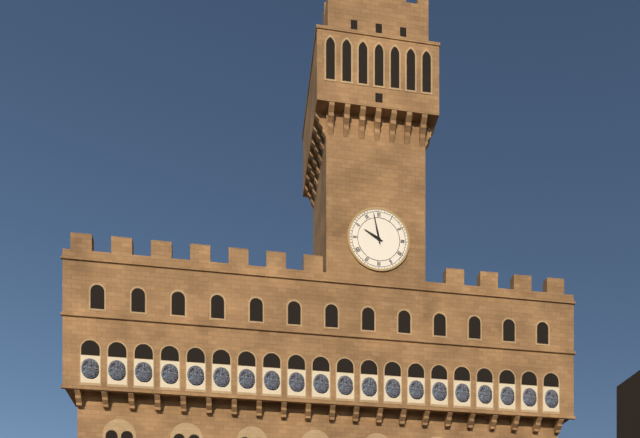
9:58
